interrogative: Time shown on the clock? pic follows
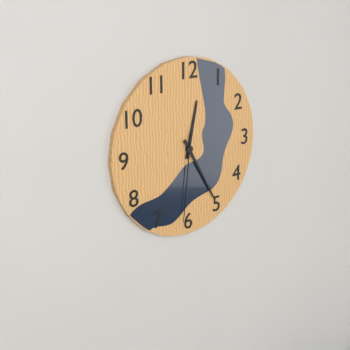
12:25:31
